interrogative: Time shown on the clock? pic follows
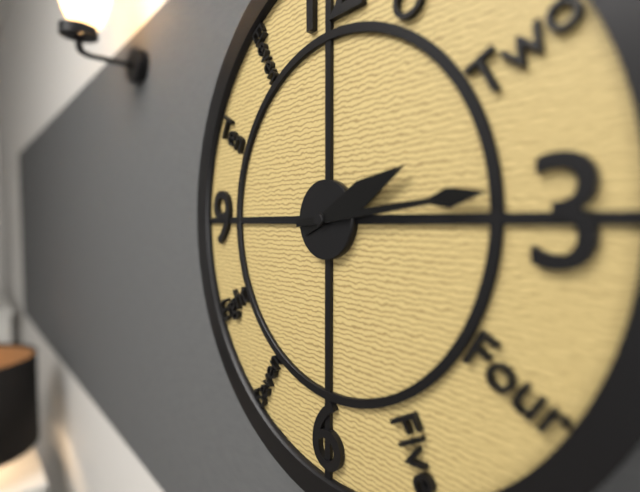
2:14
